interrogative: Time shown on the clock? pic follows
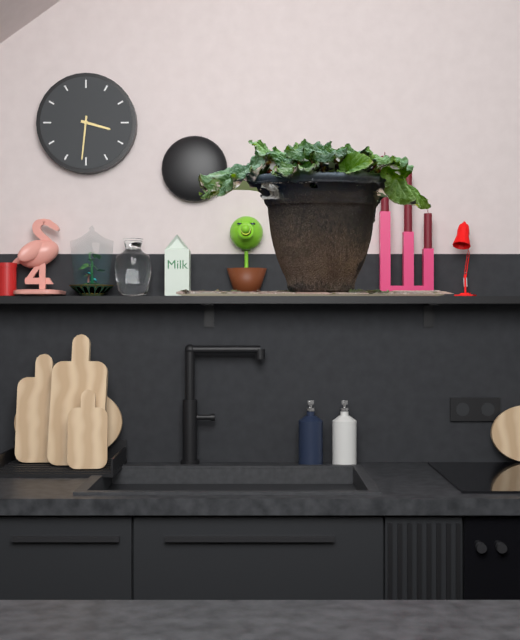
3:31
